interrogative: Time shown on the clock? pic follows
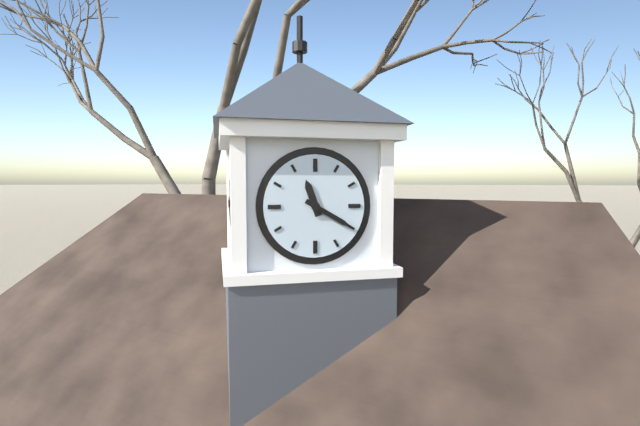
11:20
